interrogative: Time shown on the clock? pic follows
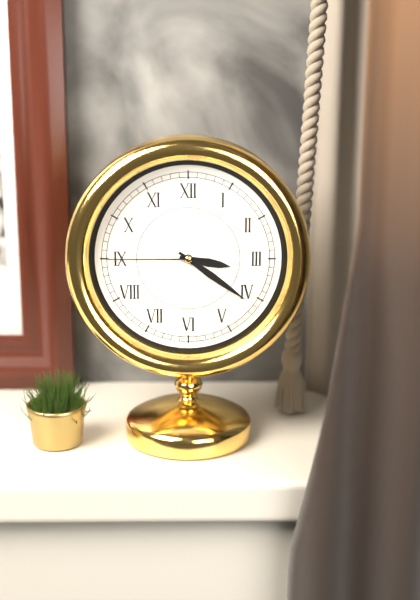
3:21:45
